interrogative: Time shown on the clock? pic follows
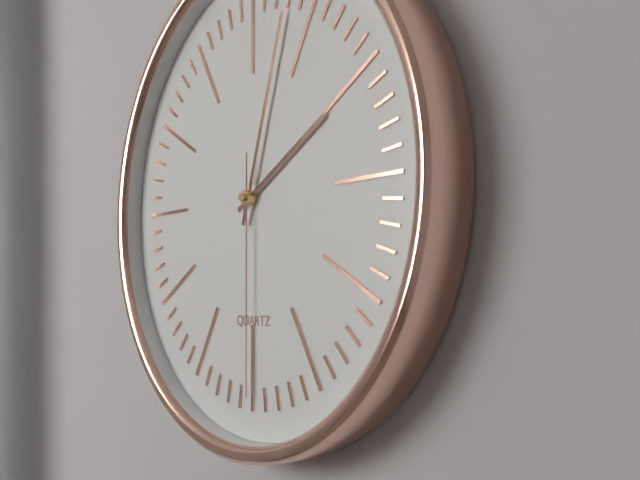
2:03:30
